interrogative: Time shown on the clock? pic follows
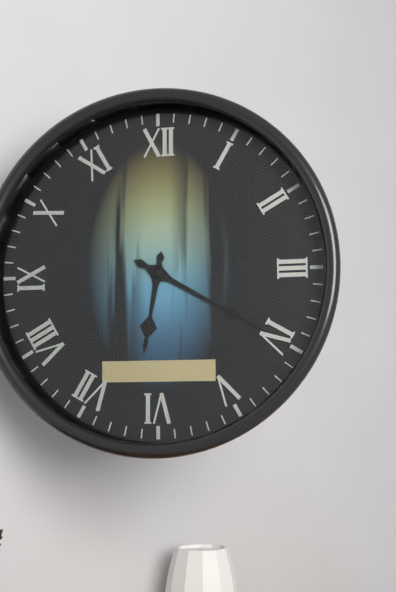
6:20
